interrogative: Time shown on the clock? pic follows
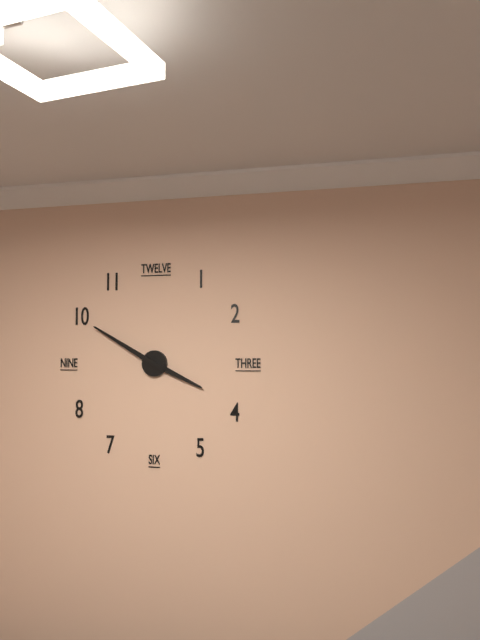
3:50
